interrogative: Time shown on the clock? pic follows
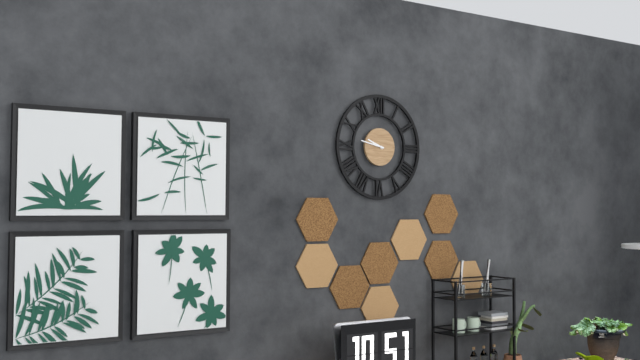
9:47
